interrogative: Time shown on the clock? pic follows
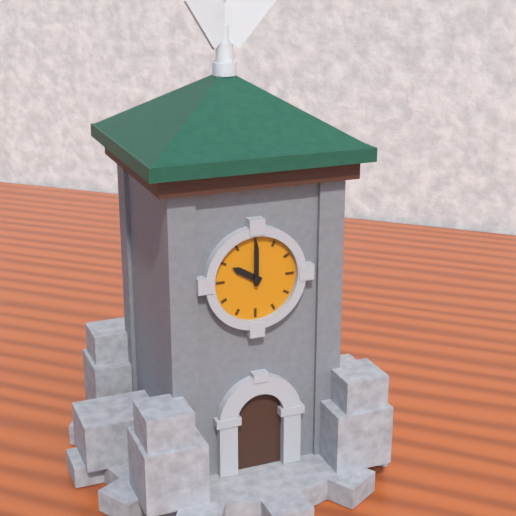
10:00
